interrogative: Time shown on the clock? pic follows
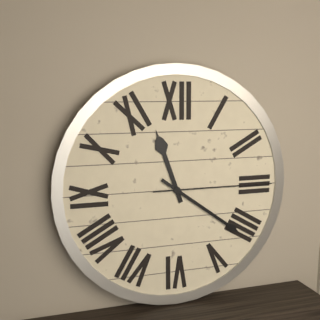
11:21:15
